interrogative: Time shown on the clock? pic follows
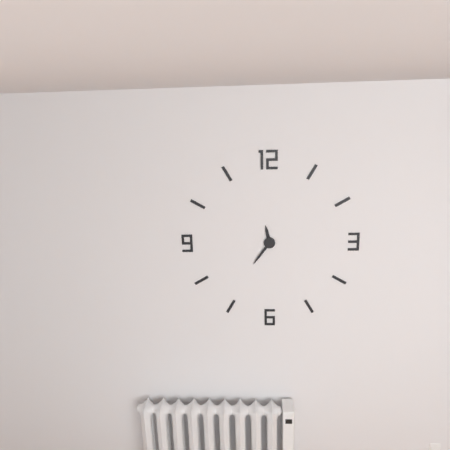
11:36
